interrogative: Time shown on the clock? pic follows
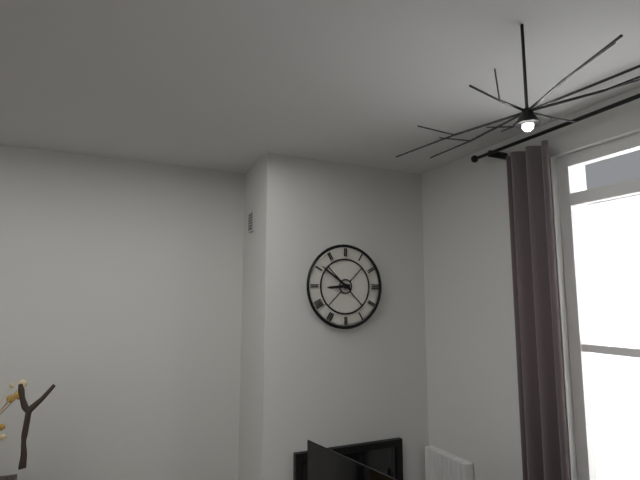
8:51
